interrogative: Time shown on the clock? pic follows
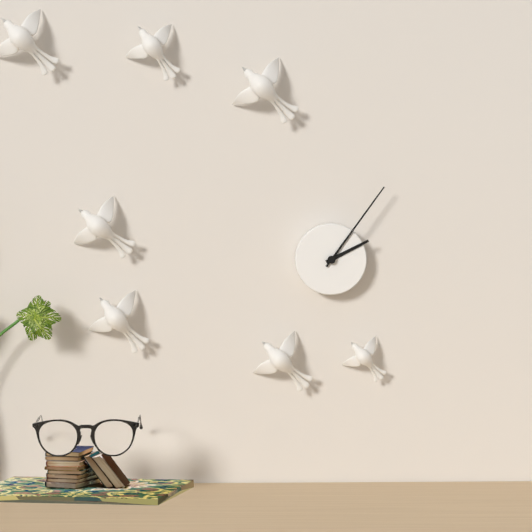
2:06
